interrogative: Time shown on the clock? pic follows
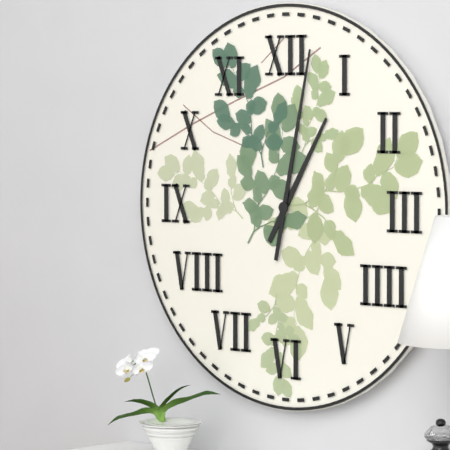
1:02
